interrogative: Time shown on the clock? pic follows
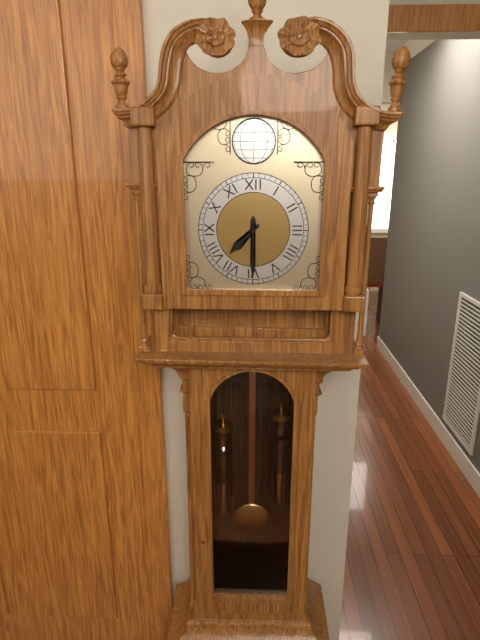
7:30
